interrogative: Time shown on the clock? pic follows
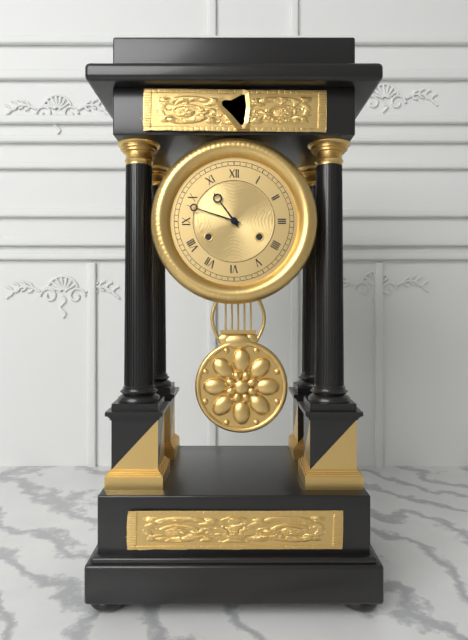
10:48
